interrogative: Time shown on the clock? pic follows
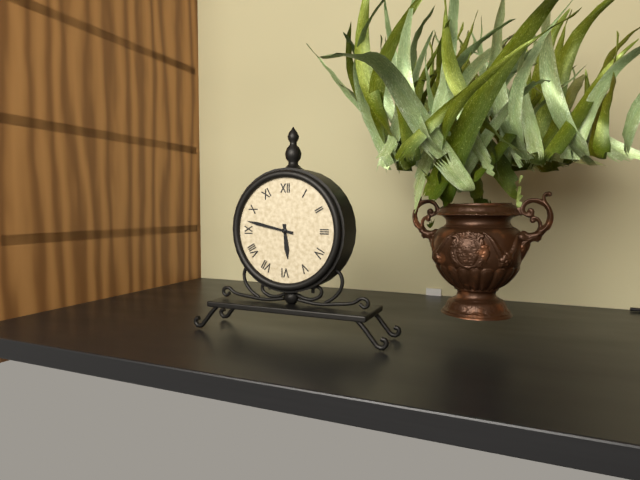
5:47
